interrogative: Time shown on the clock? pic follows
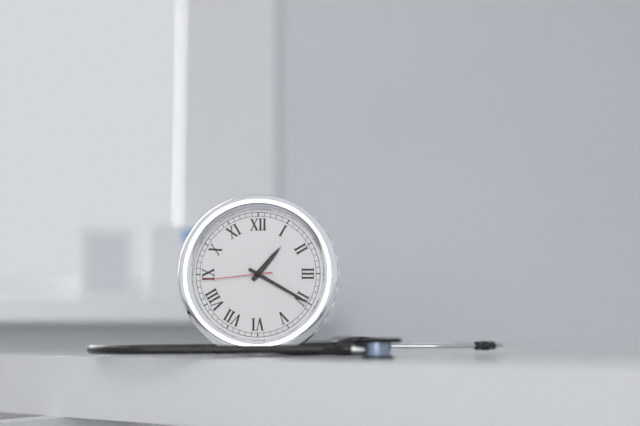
1:20:44
